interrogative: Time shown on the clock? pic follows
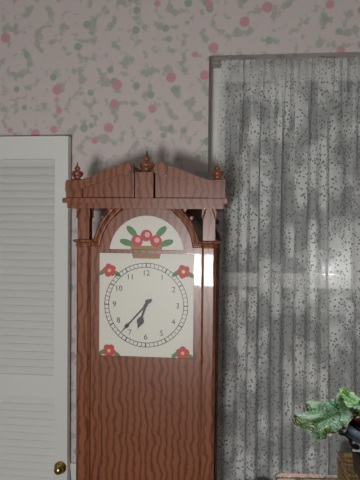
6:37
